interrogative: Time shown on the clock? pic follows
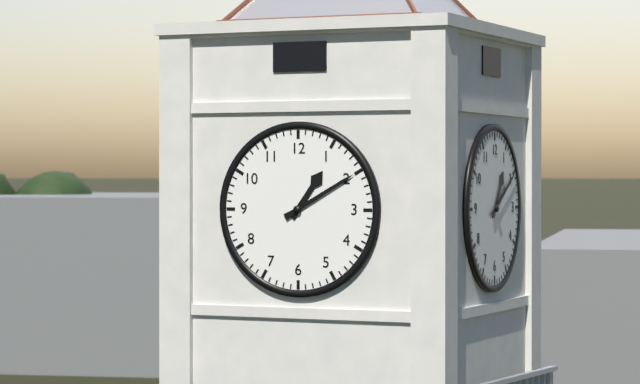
1:10
